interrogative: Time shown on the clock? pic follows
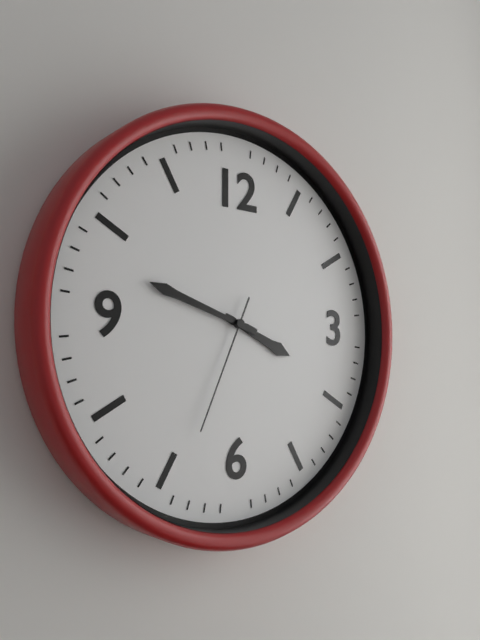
3:48:34
